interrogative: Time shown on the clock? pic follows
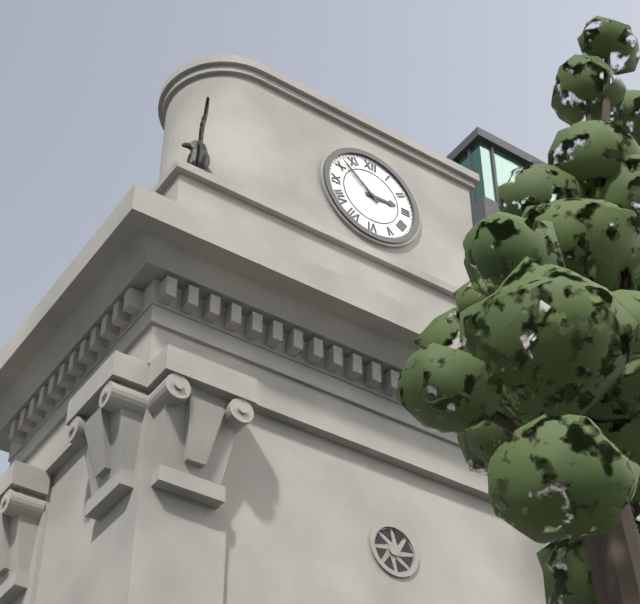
2:52
